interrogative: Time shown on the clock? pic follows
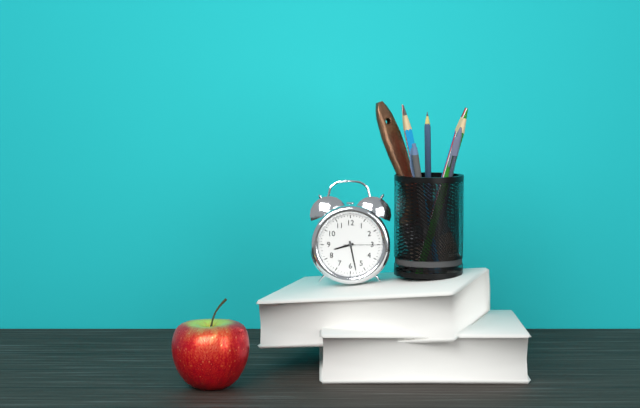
8:28
